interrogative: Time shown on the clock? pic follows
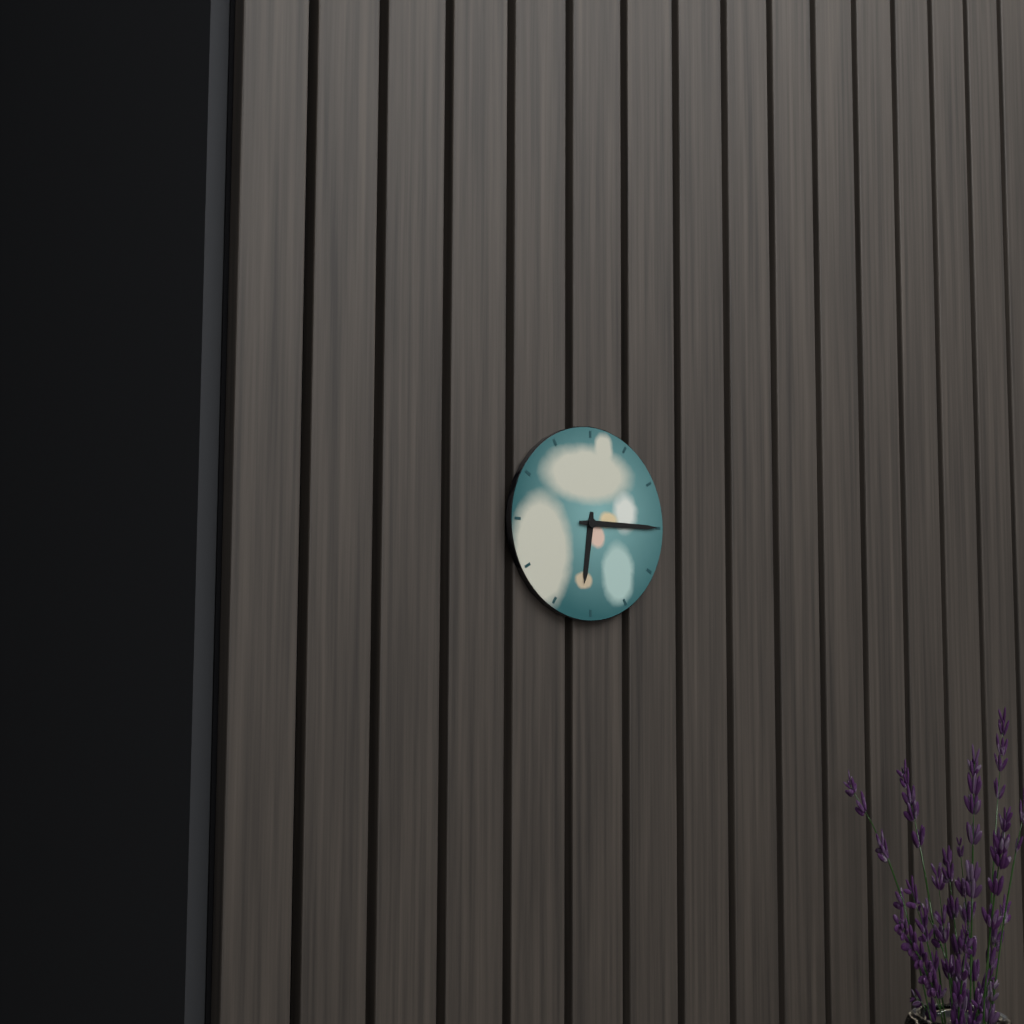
6:15
